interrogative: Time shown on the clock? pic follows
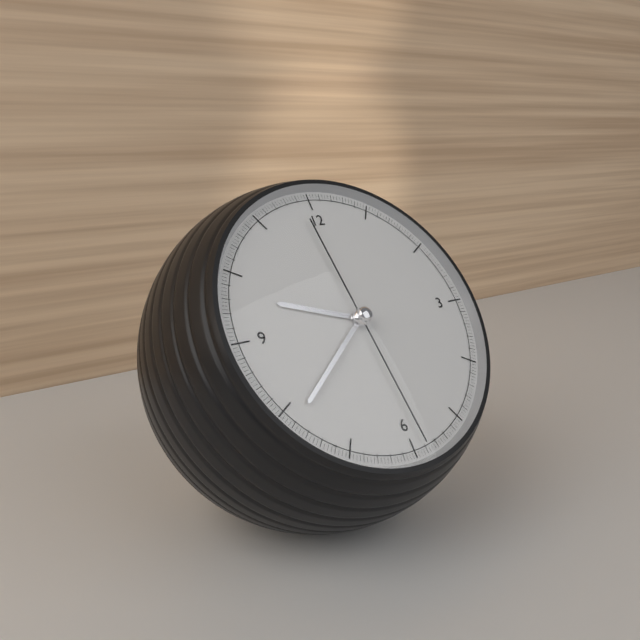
9:39:29
